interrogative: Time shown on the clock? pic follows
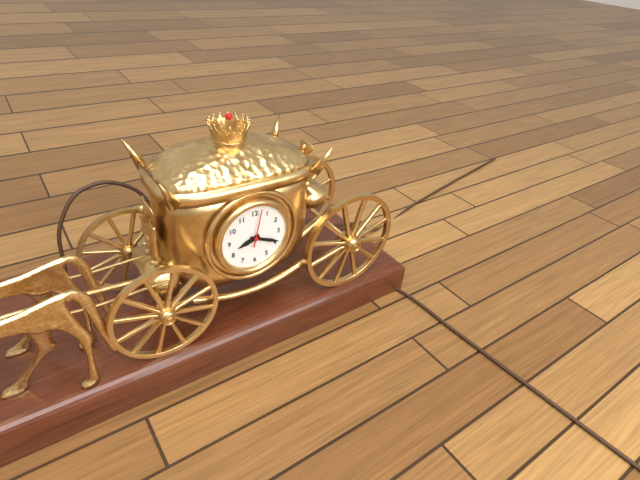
8:19
